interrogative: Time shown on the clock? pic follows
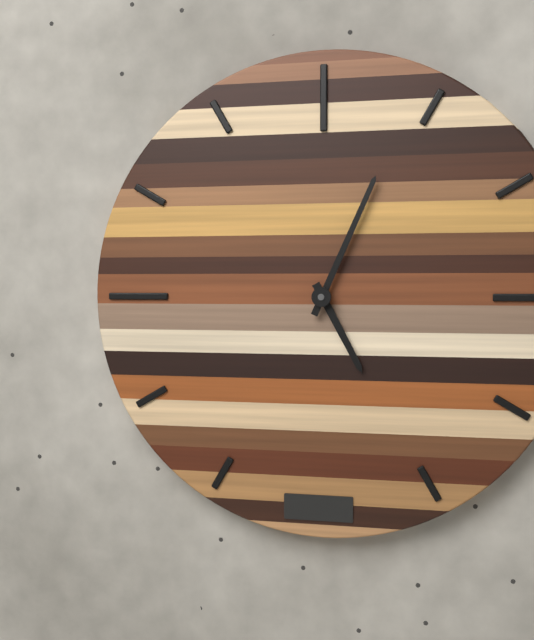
5:04
